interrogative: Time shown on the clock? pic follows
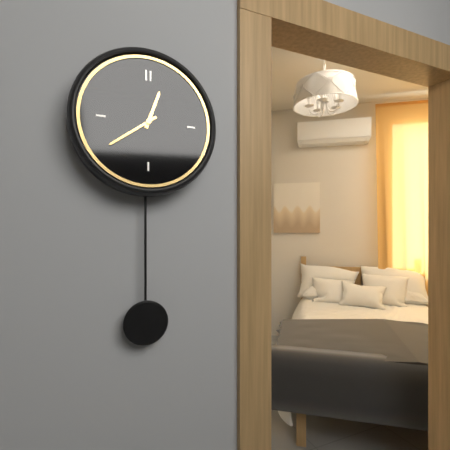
12:39
